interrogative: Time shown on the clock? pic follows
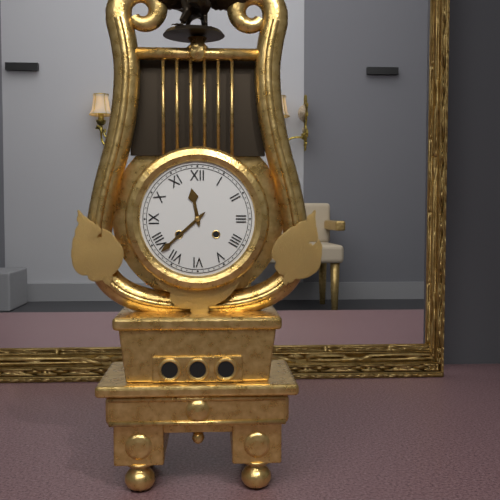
11:38
